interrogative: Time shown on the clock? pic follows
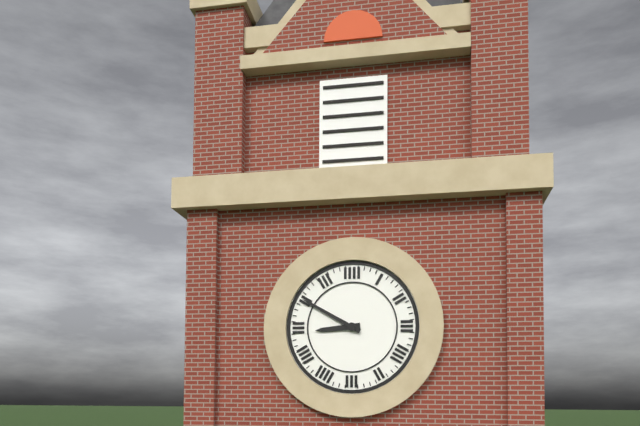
8:50
